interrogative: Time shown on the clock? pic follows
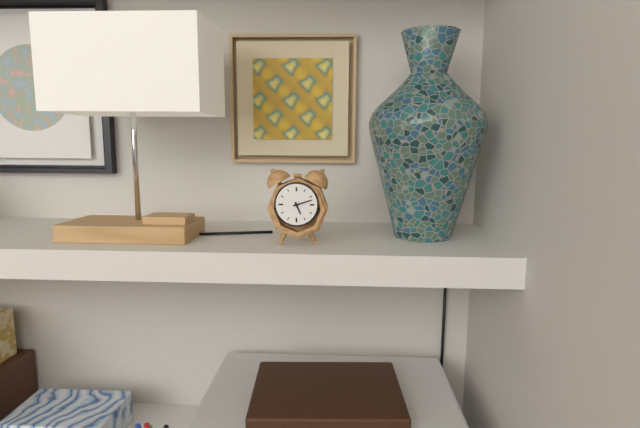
5:12
